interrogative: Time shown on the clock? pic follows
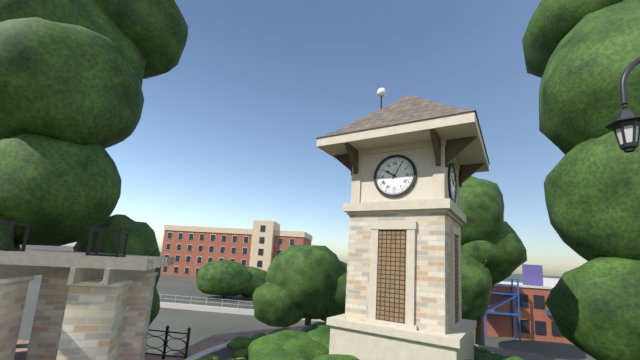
10:05
